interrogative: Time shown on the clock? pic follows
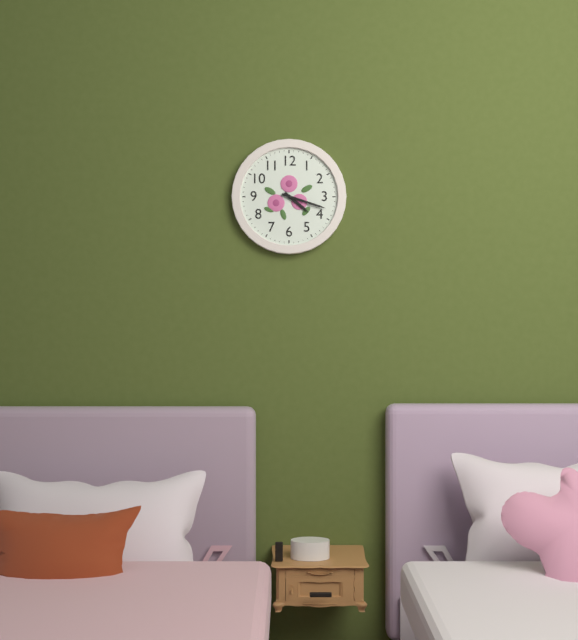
4:18
